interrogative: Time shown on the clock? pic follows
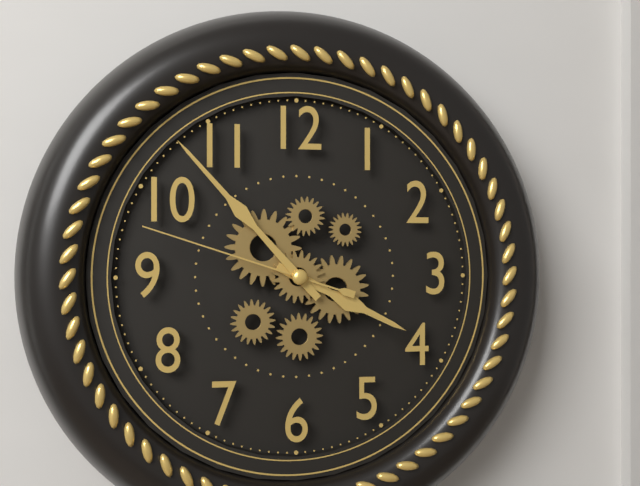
3:53:48
